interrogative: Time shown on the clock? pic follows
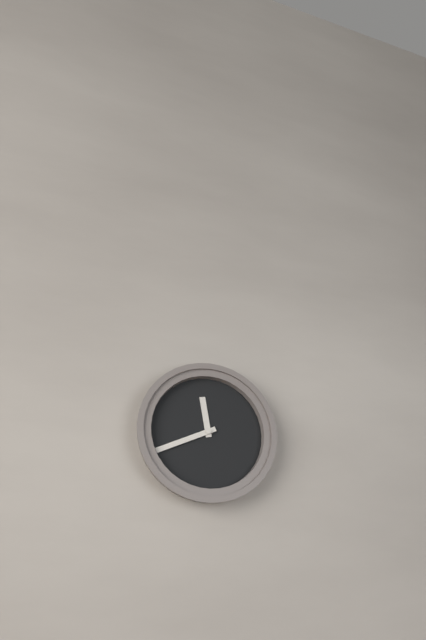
11:41
